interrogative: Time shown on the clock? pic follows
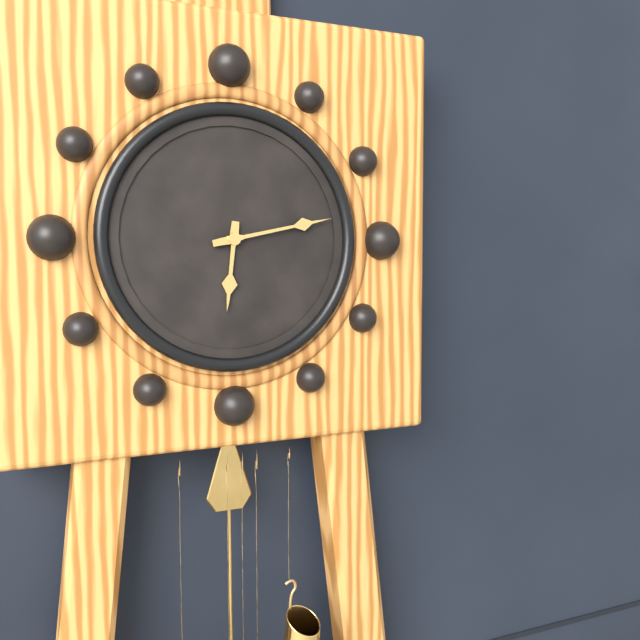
6:13
